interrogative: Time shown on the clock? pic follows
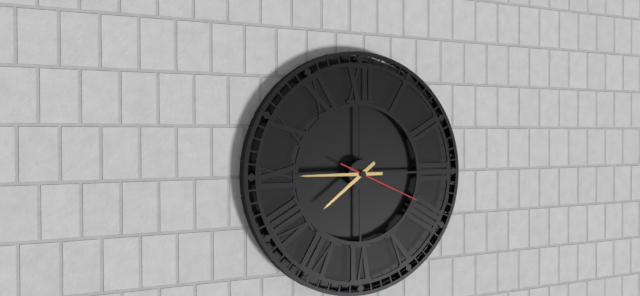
7:45:19
